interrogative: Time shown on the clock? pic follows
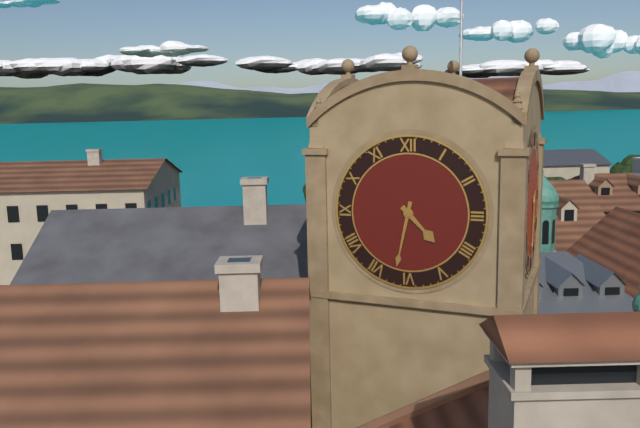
4:32
